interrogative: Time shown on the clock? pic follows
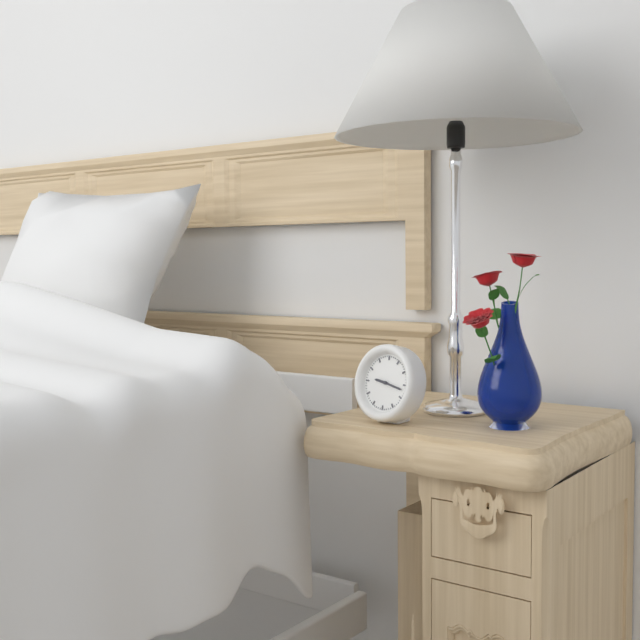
9:17
